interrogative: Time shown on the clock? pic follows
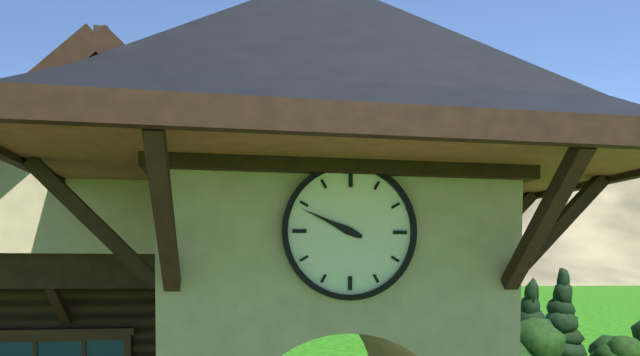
9:49
